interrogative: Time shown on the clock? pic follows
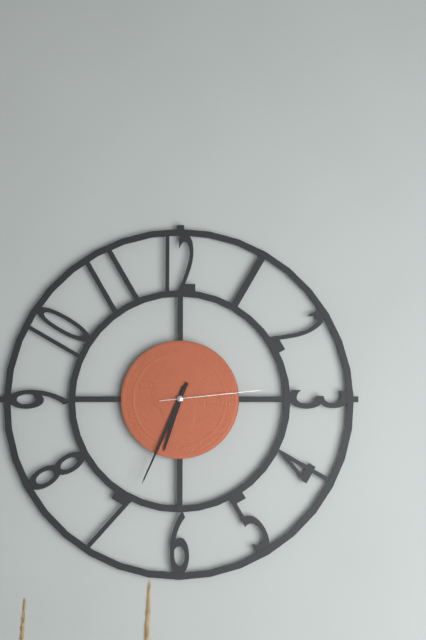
6:34:14
